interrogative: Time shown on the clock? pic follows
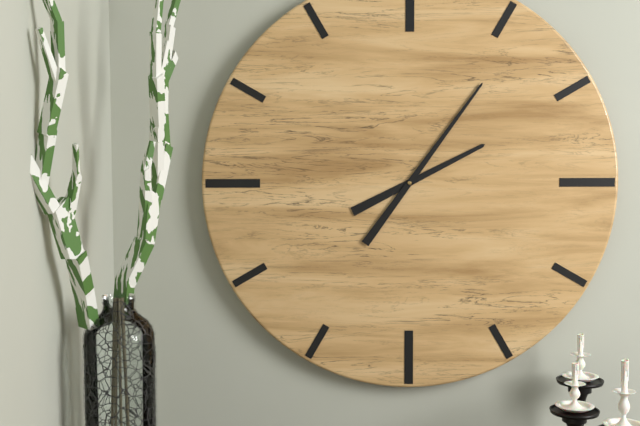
2:06
